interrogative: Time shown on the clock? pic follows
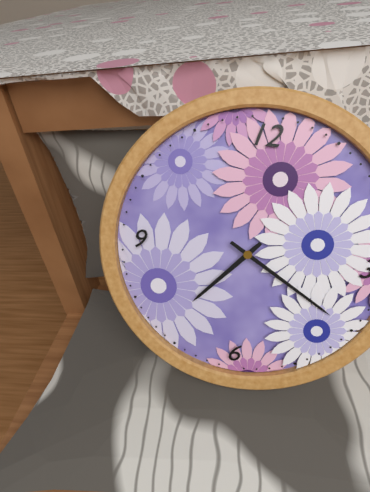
7:20
